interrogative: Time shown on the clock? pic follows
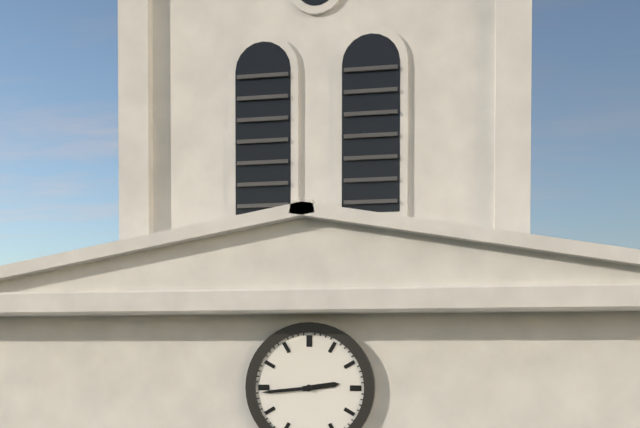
2:44
